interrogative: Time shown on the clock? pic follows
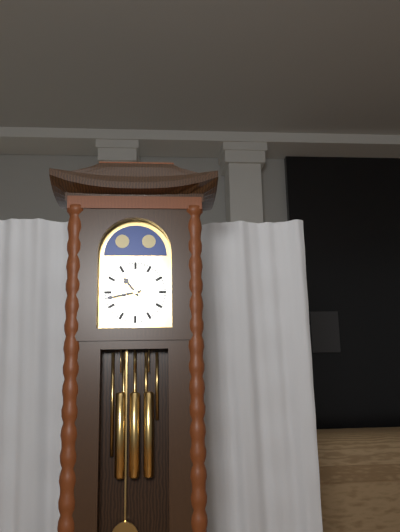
10:43
